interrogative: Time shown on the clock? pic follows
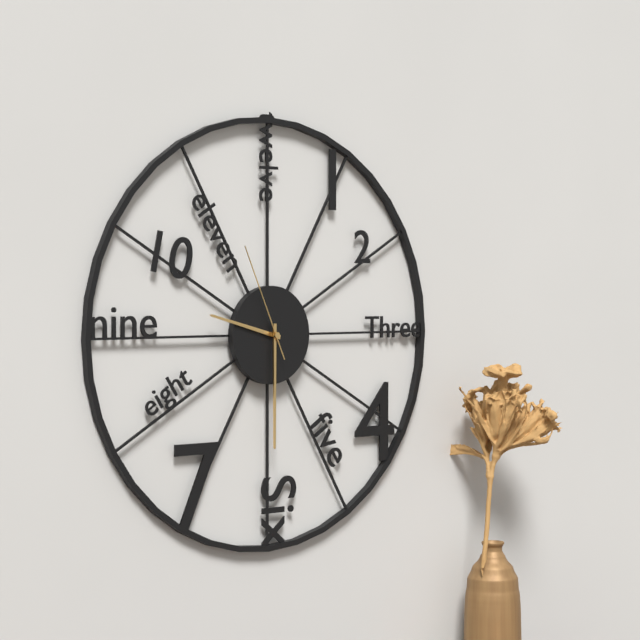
9:30:56
